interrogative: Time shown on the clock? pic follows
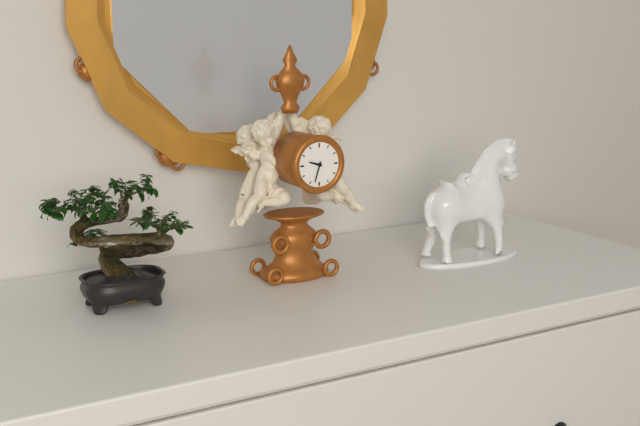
9:33
